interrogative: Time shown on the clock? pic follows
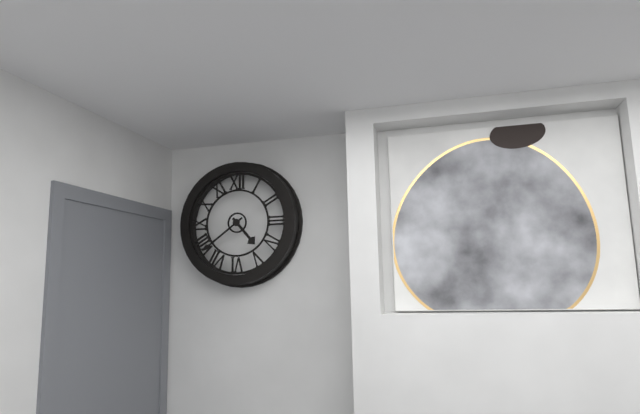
4:39
